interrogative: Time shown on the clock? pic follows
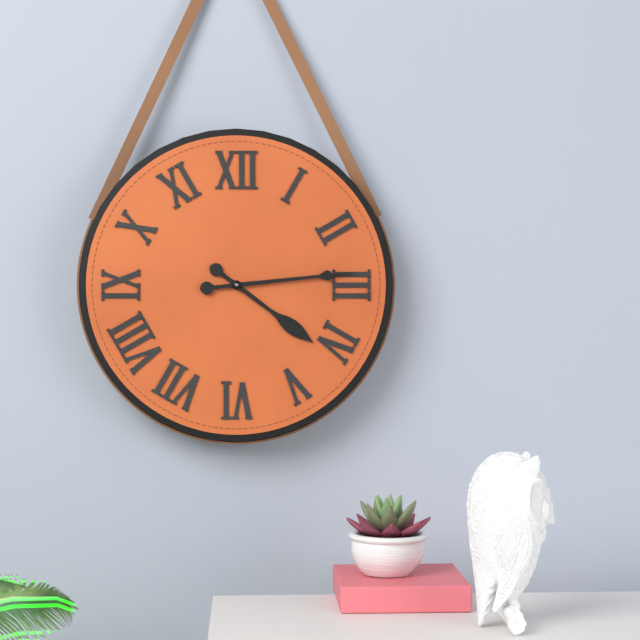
4:14
